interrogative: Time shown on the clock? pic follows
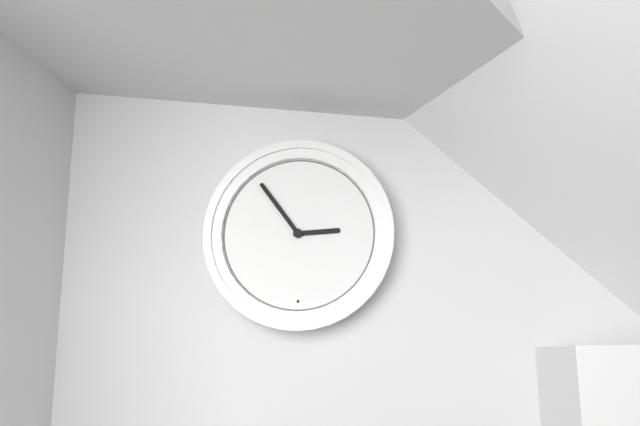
2:54
